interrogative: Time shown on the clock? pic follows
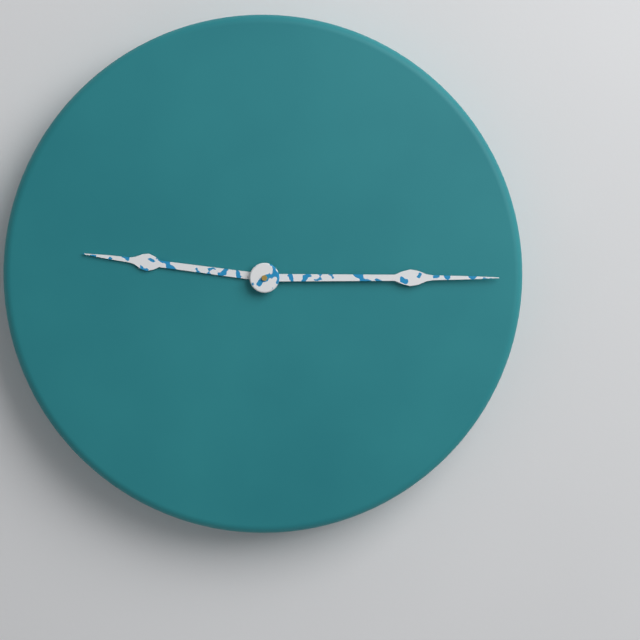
9:15
